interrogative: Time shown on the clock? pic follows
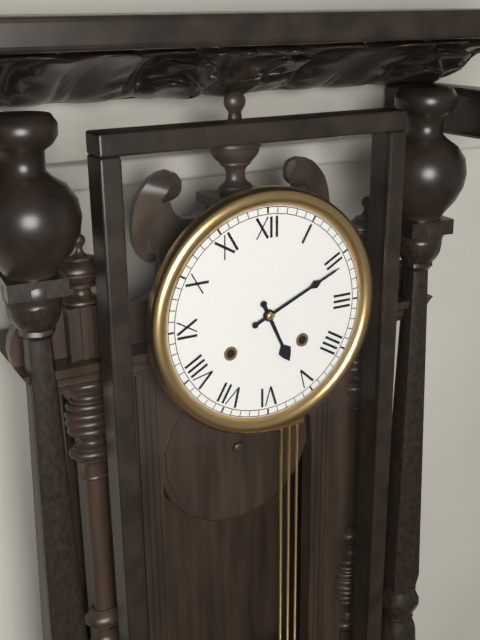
5:11
